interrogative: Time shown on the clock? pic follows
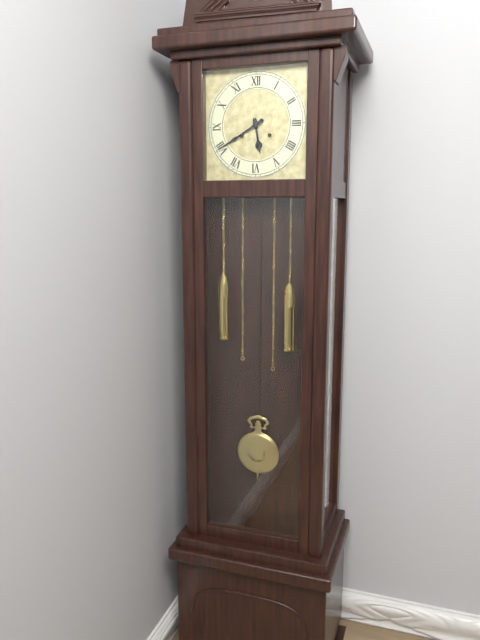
5:40
